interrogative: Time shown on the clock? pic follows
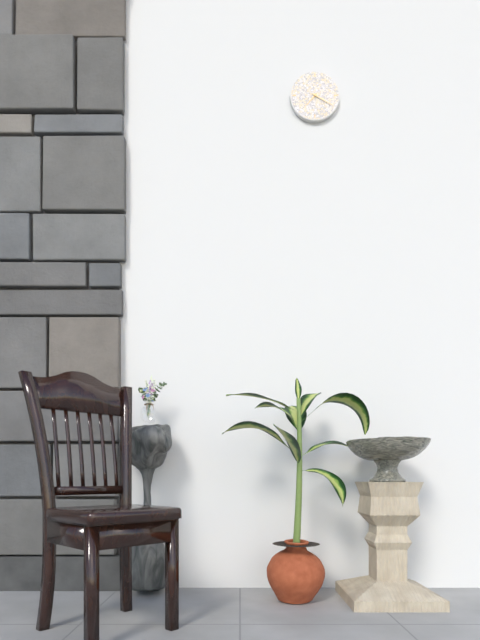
7:20
